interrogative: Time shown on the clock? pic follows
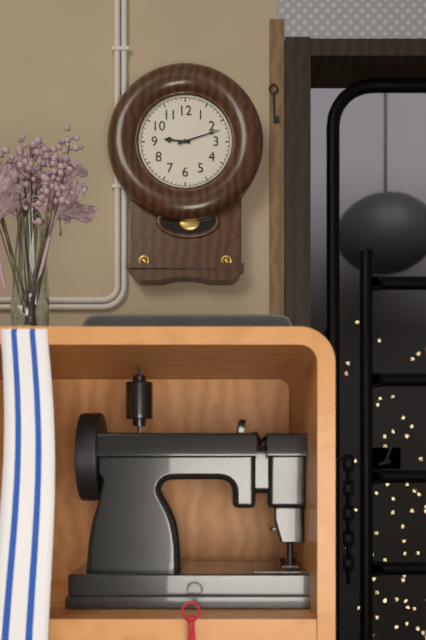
9:12
